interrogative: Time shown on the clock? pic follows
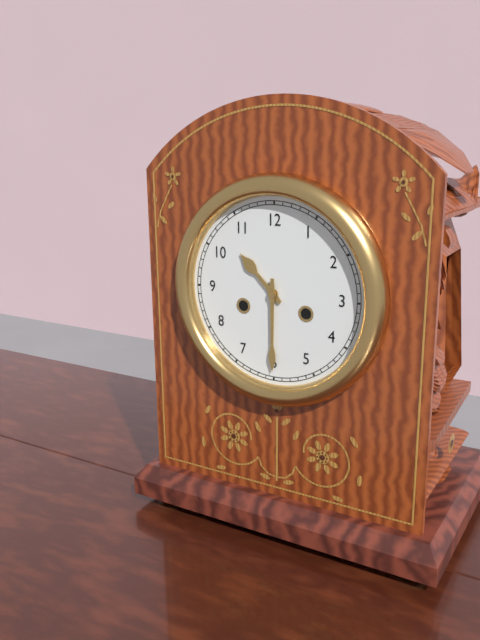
10:30
